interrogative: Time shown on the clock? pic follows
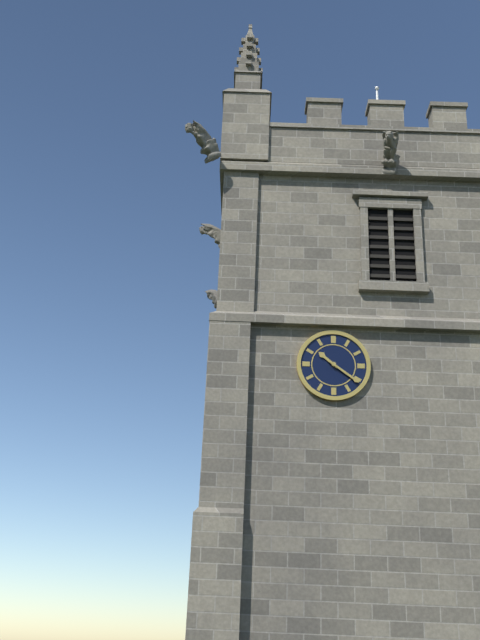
10:21
